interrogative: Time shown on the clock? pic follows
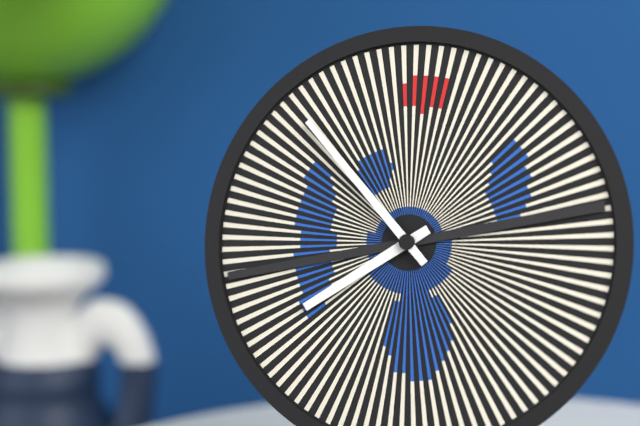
7:53
